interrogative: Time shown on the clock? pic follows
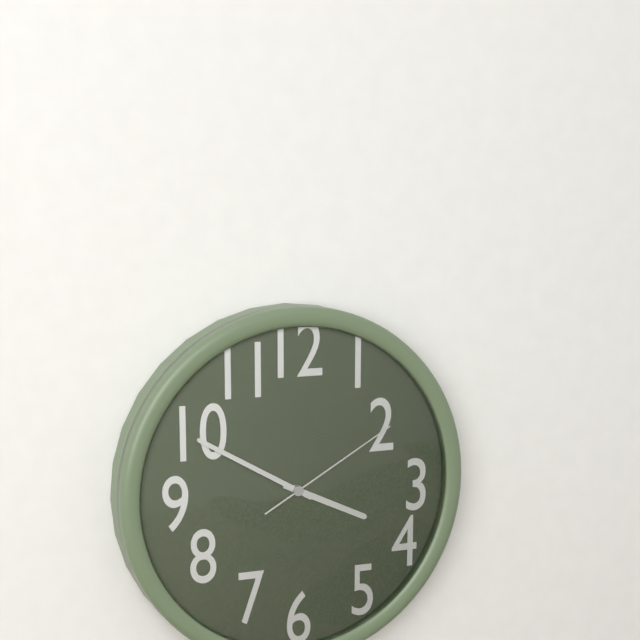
3:50:10
